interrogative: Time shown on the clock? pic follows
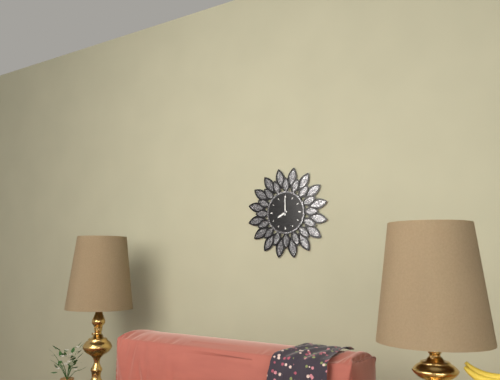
8:00
